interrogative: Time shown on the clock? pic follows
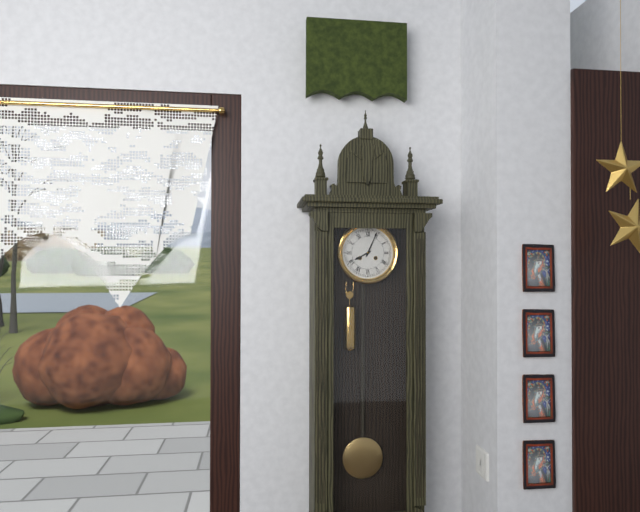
8:04
